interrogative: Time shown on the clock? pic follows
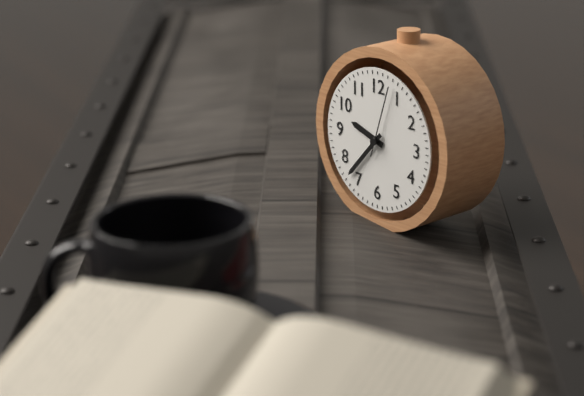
9:37:03
